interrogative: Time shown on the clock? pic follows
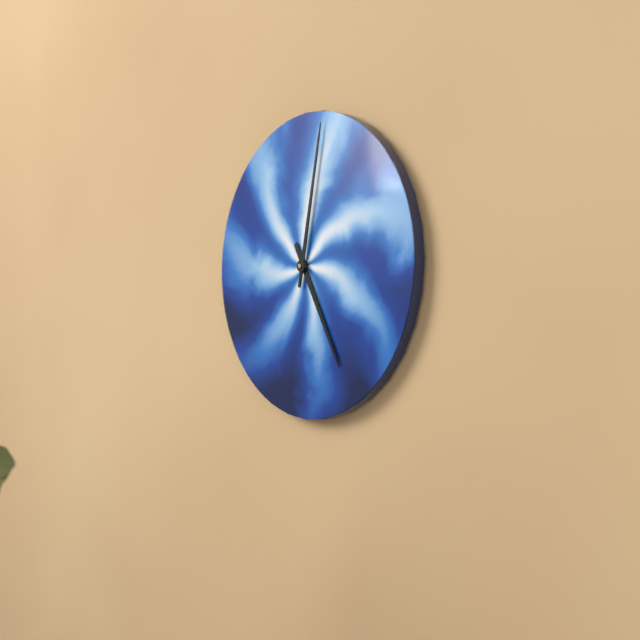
5:02
